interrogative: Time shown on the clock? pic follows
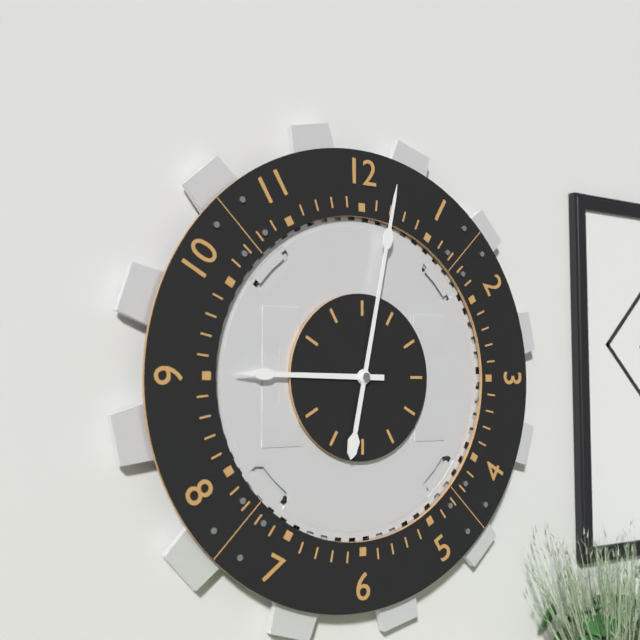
9:02
